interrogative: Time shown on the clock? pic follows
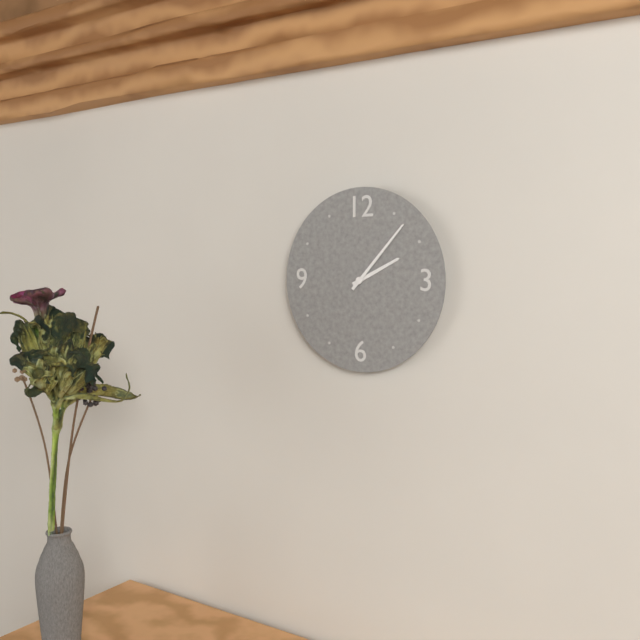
2:07
